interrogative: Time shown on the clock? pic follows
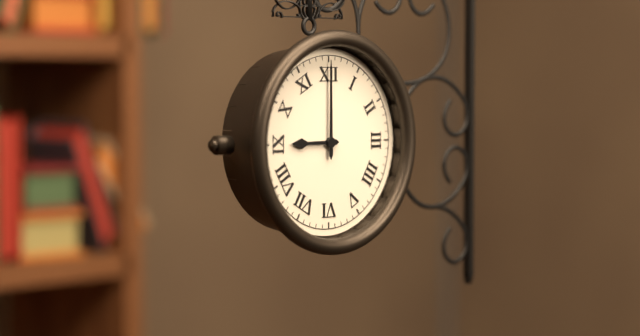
9:00
